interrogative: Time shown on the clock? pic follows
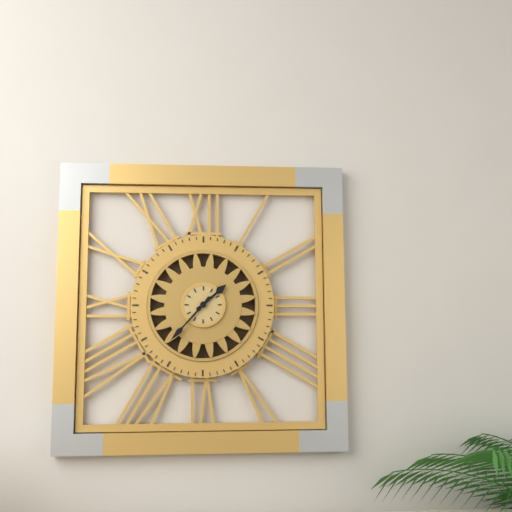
1:37
